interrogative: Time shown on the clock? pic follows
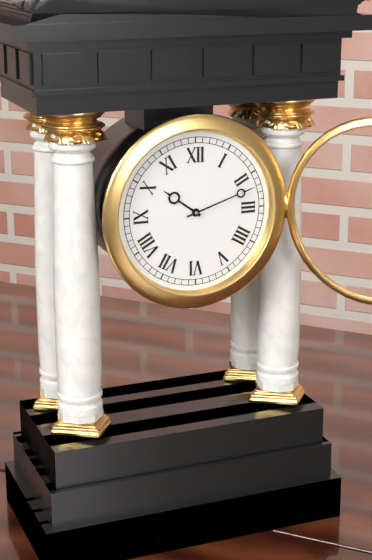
10:12
